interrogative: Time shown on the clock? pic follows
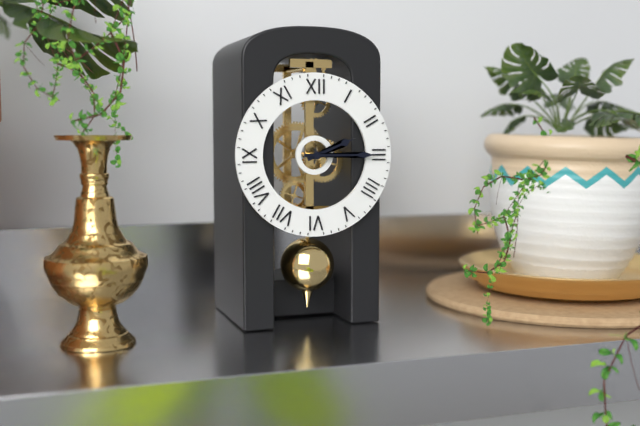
2:15
